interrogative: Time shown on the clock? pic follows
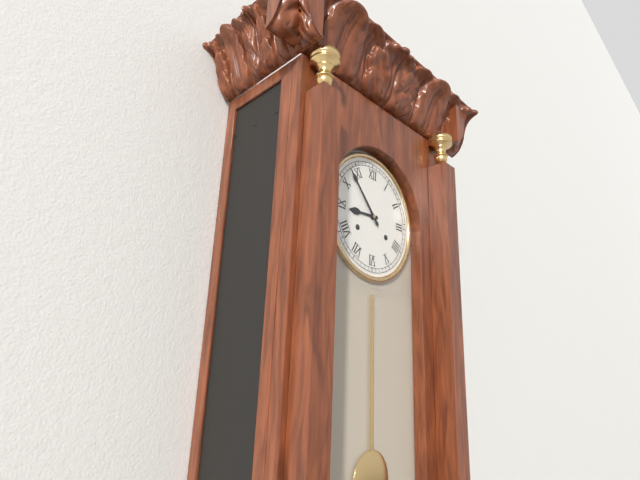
8:53
